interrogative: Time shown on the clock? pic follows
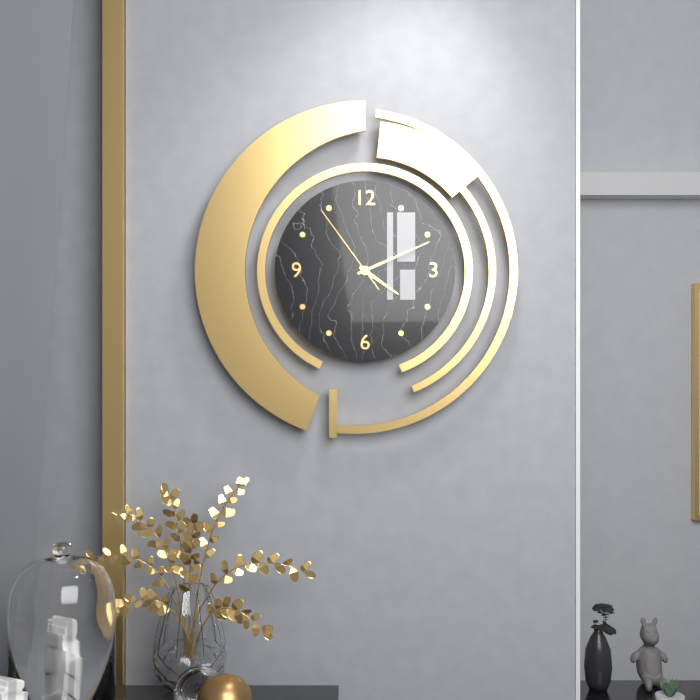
4:11:54
